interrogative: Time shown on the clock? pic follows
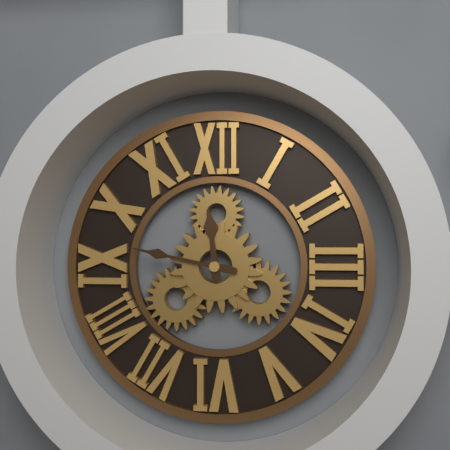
11:47
